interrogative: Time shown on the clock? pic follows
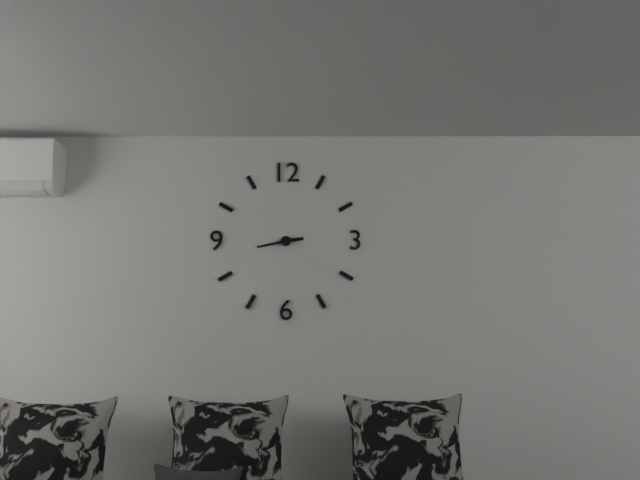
2:43
